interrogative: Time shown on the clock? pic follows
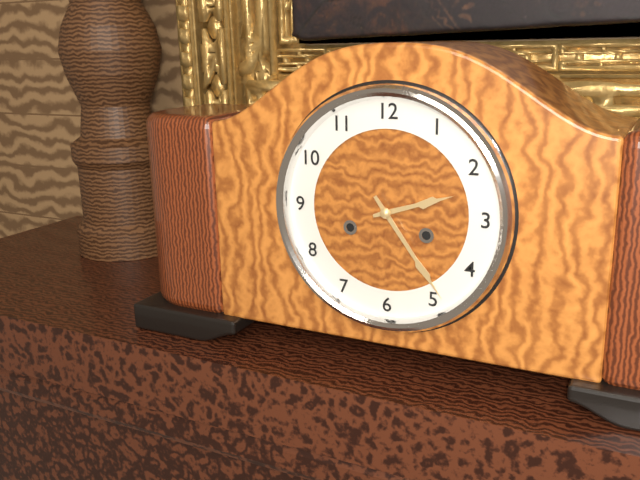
2:24
